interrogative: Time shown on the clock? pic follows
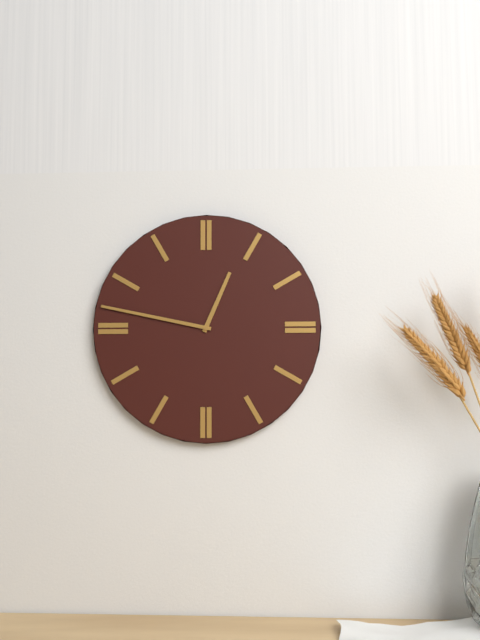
12:47
